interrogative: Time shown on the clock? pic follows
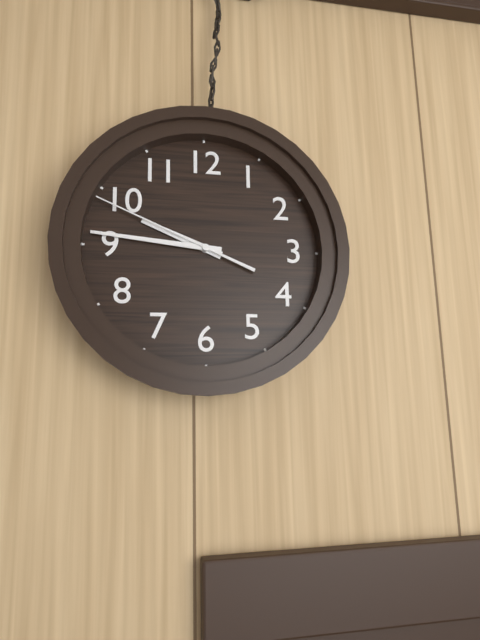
9:46:49
